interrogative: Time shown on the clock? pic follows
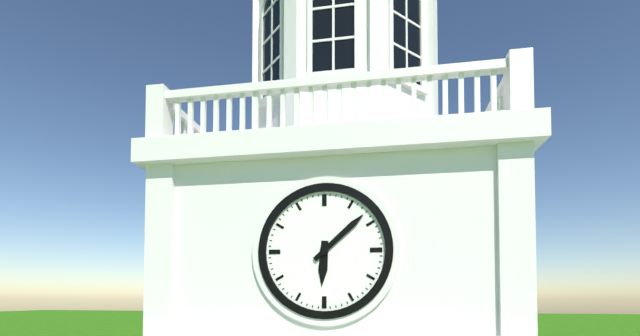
6:08
